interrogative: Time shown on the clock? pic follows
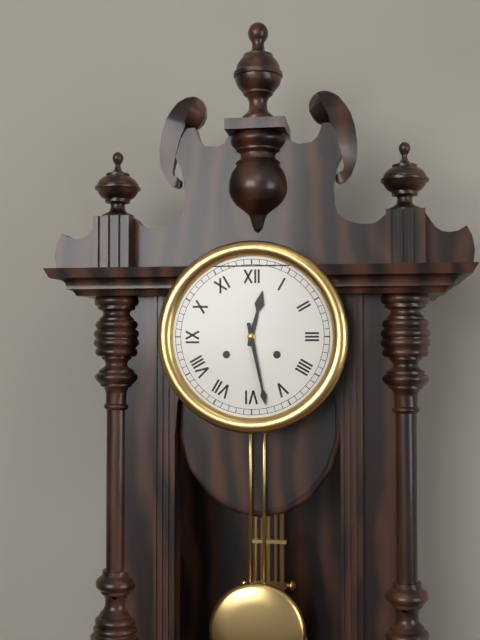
12:28
